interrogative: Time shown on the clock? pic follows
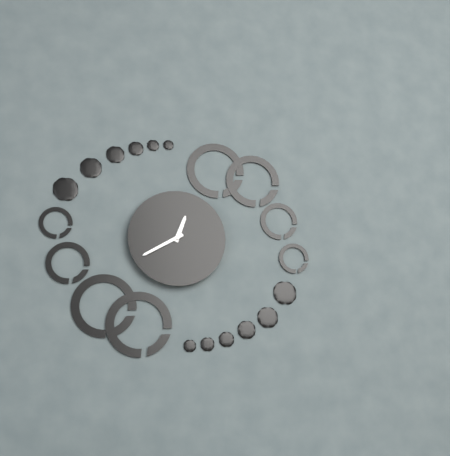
12:40
